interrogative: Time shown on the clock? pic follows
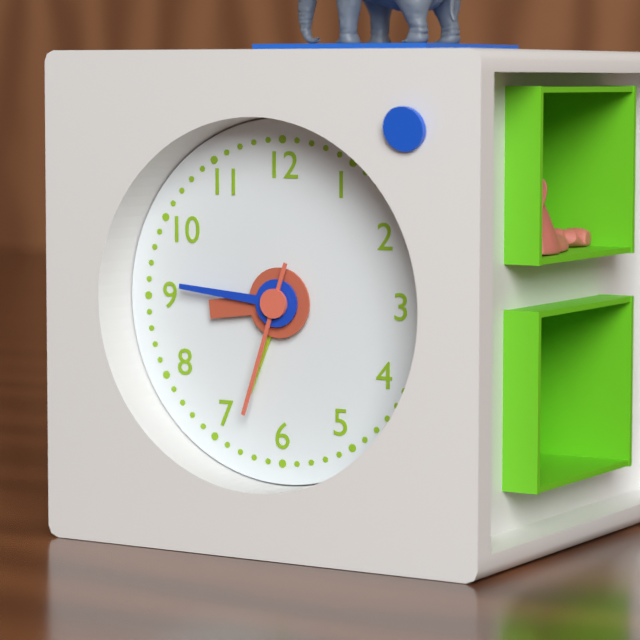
8:46:33
